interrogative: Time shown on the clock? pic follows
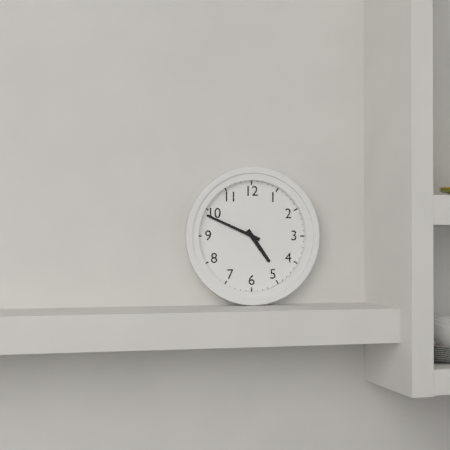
4:49
